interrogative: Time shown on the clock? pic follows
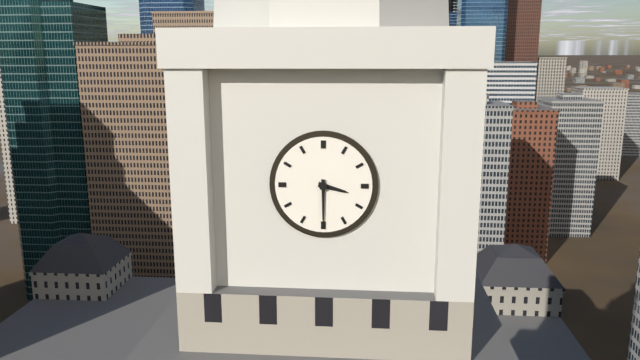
3:30
